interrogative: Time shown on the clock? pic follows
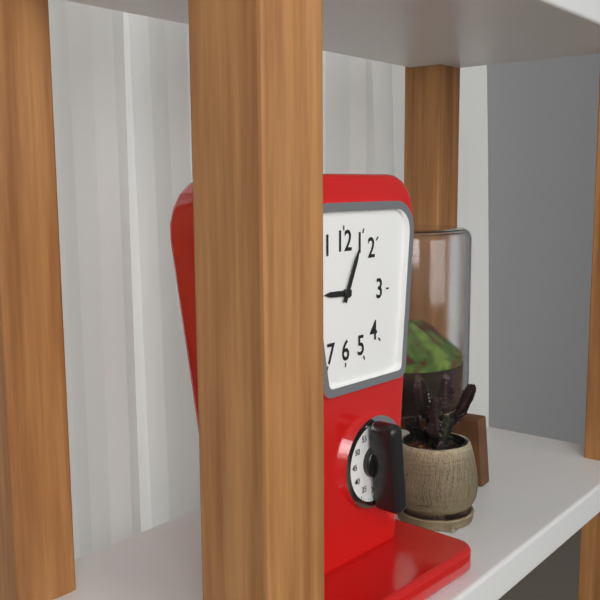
9:04
